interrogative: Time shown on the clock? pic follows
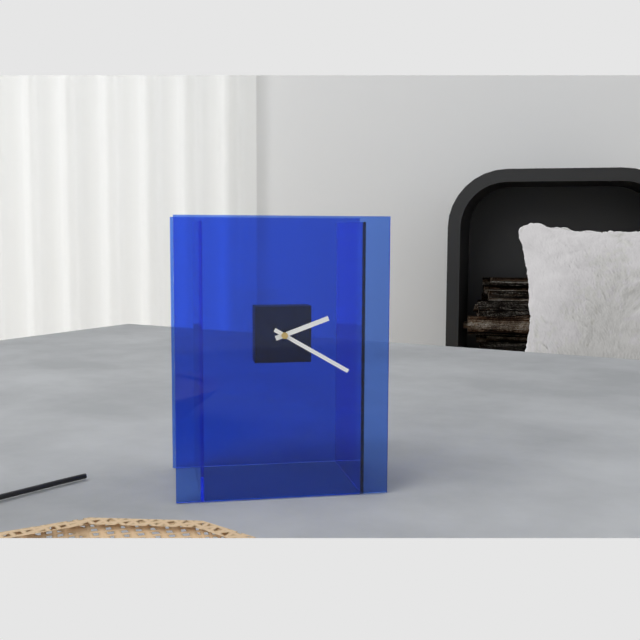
2:20
